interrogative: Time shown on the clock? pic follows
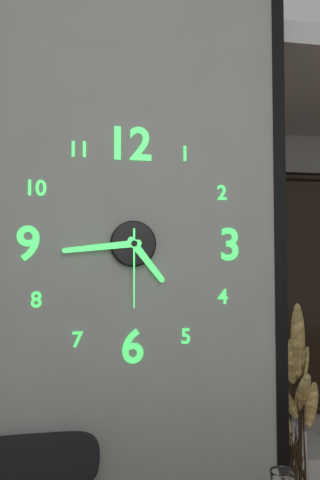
4:44:30
